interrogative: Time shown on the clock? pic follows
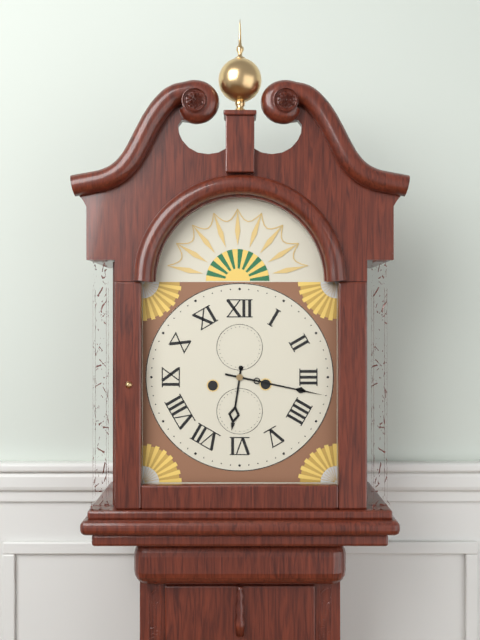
6:17
